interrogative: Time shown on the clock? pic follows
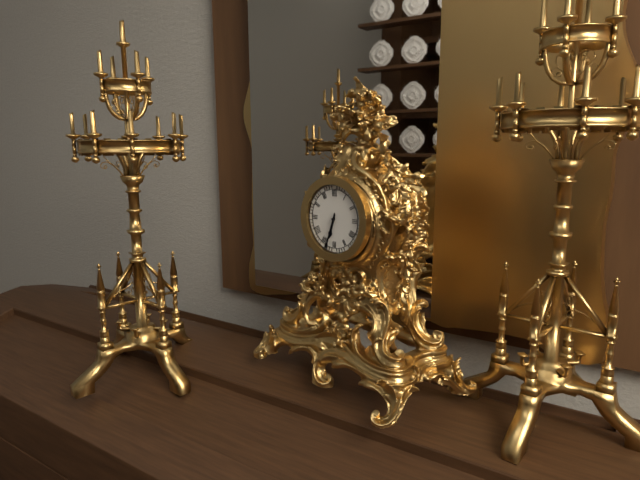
6:33
